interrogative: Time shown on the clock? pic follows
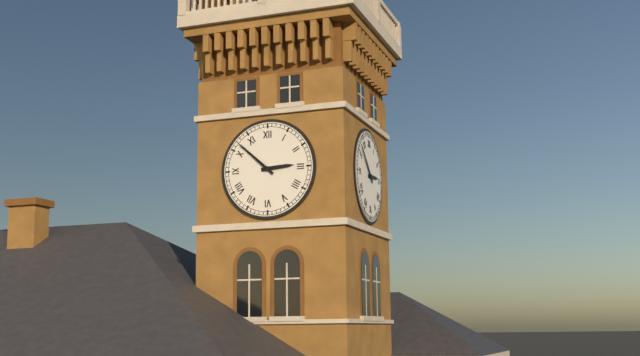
2:52
